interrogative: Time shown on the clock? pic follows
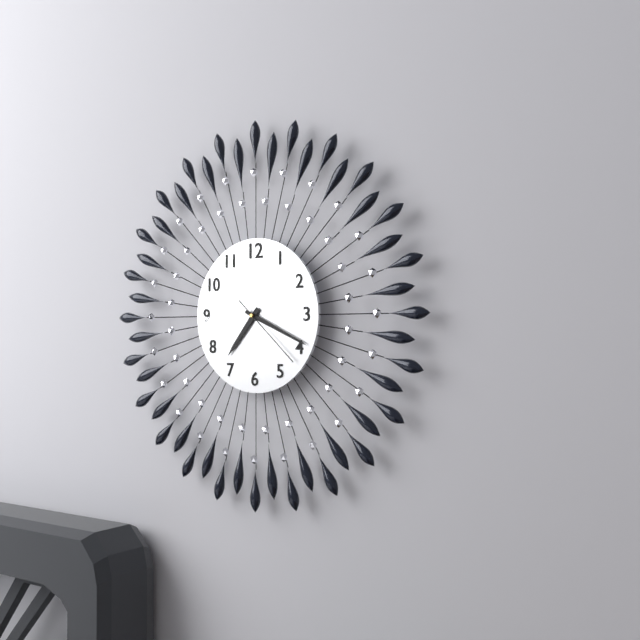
7:19:22
